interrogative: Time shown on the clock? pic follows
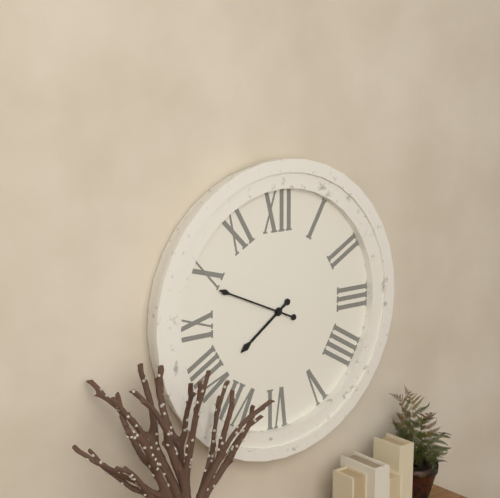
7:49
